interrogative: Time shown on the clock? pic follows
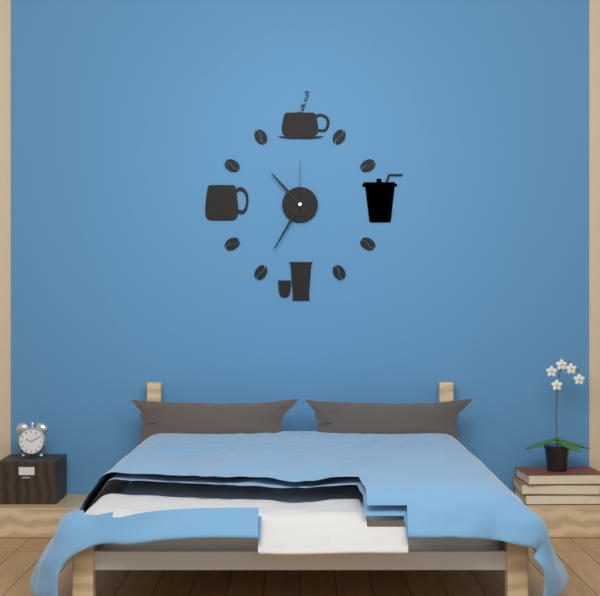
10:35:00
